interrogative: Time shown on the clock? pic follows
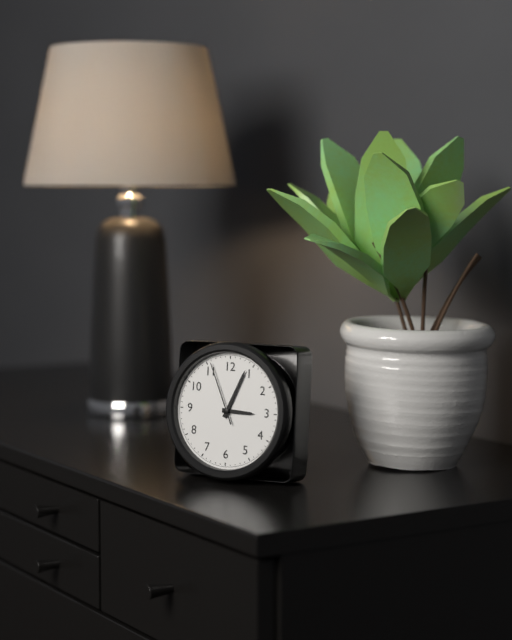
3:04:56
